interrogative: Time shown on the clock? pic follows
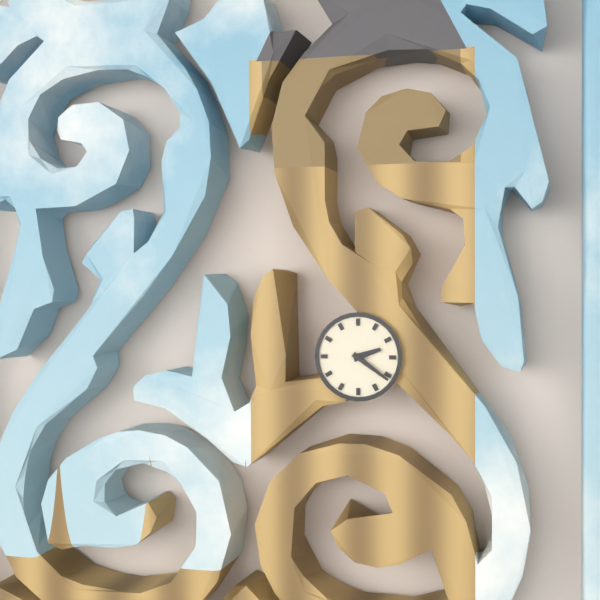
2:21
